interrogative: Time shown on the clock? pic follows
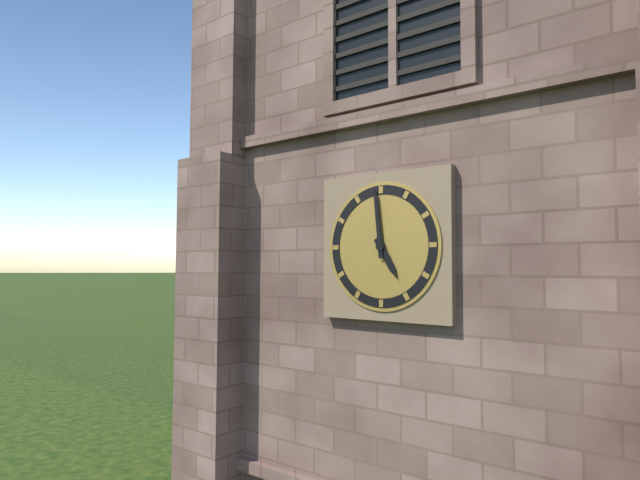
4:59
